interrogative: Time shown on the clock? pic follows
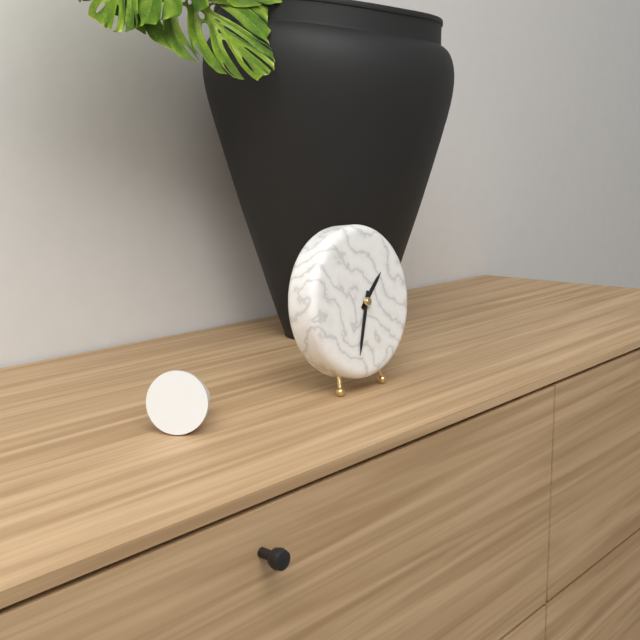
1:33
